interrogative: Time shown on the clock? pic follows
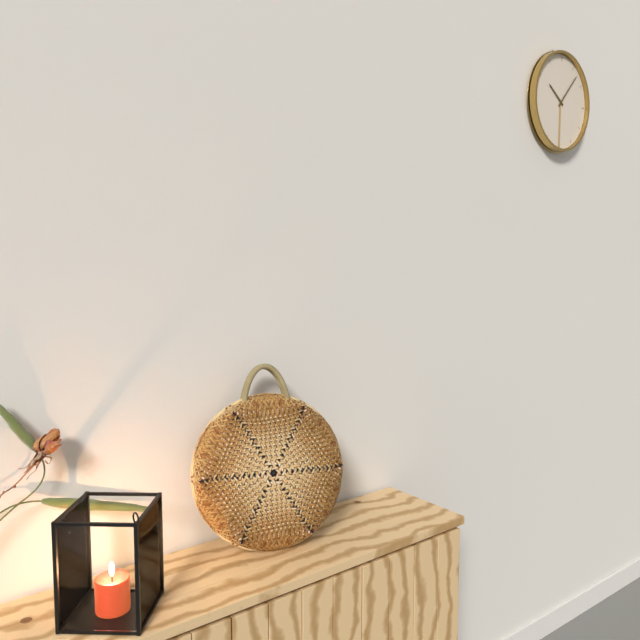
10:07
